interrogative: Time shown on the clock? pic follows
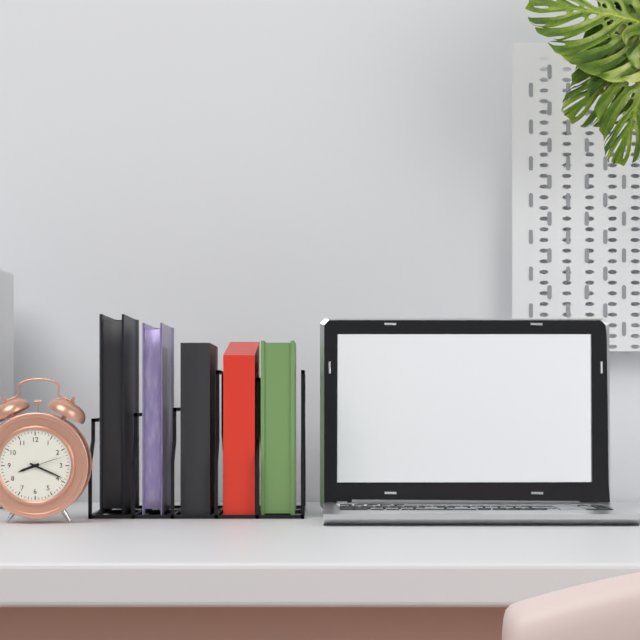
8:19
